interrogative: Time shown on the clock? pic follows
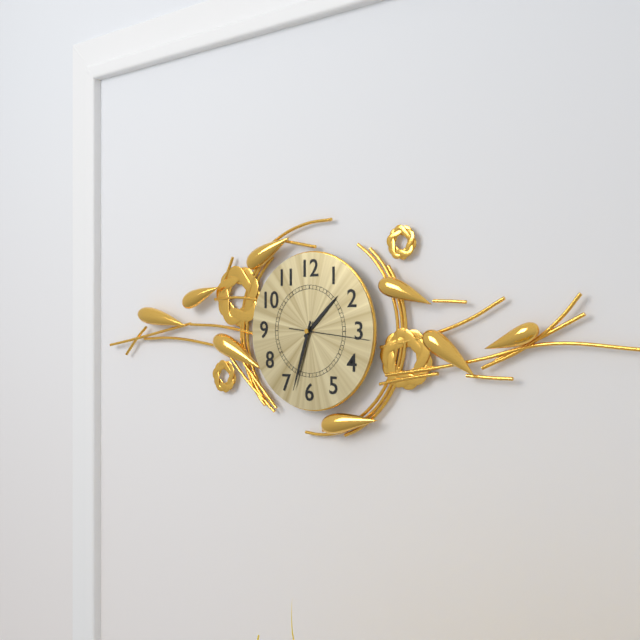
1:33:16
